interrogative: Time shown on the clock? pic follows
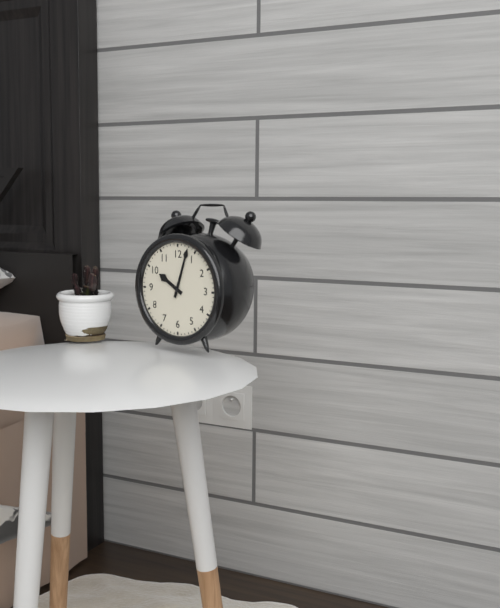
10:03
